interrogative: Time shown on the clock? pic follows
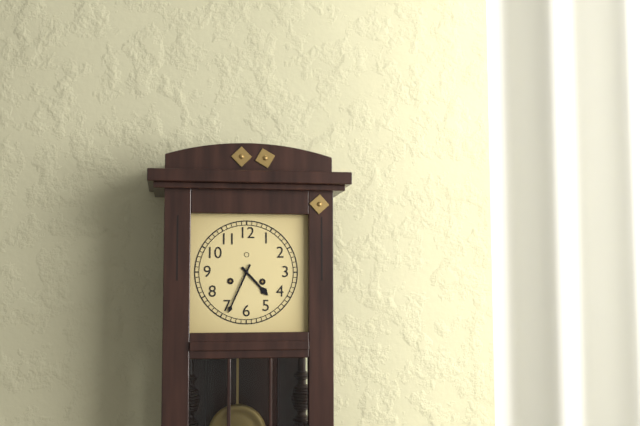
4:34
